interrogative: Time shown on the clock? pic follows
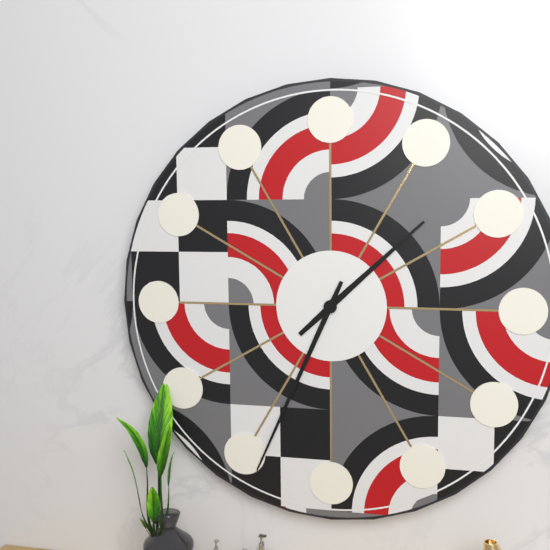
1:34
